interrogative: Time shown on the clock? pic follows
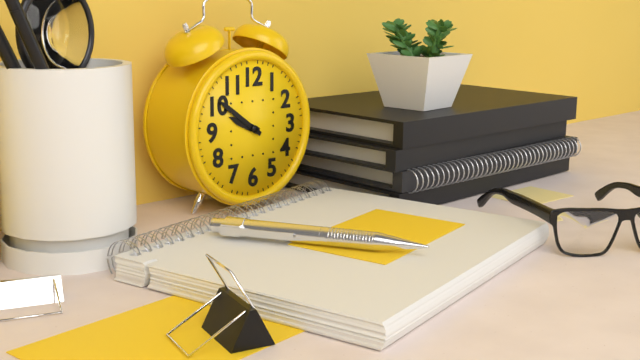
9:51
